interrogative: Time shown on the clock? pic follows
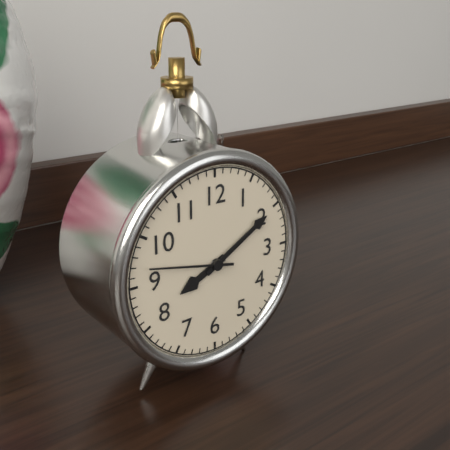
8:10:47
